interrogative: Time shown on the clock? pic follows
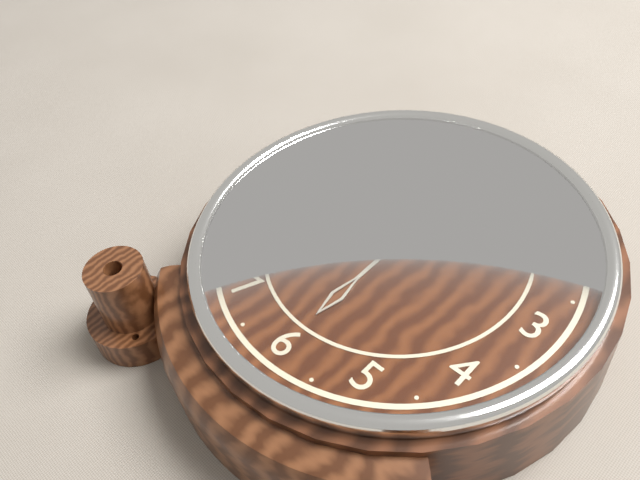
6:00
